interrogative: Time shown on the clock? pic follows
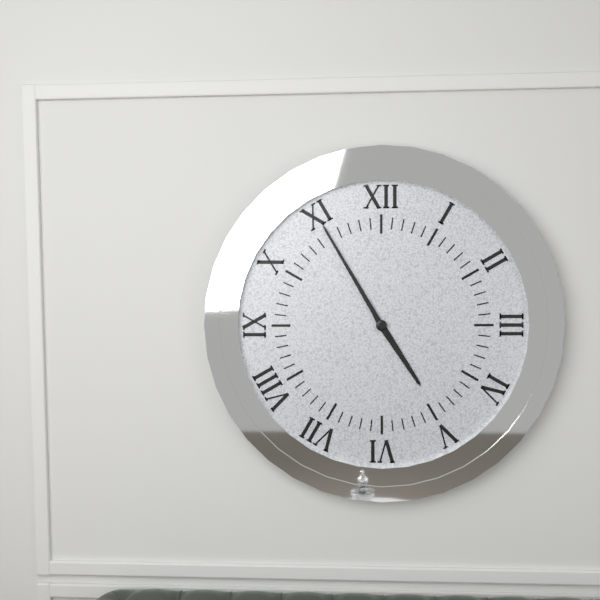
4:55
